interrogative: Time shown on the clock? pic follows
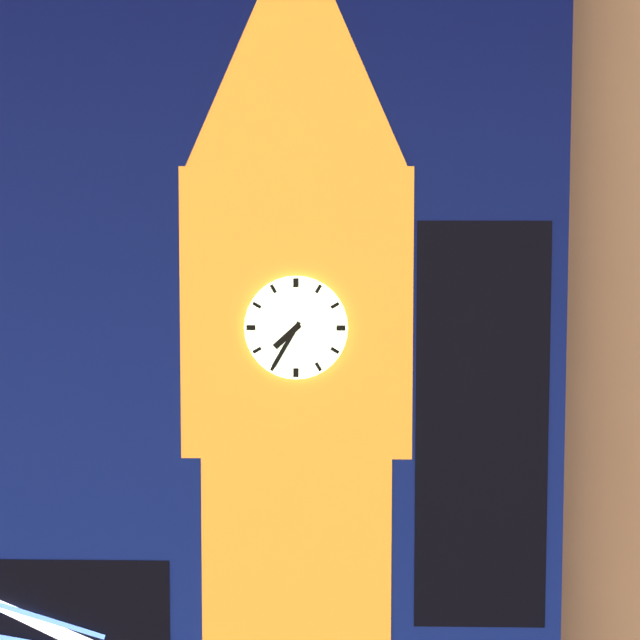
7:35
